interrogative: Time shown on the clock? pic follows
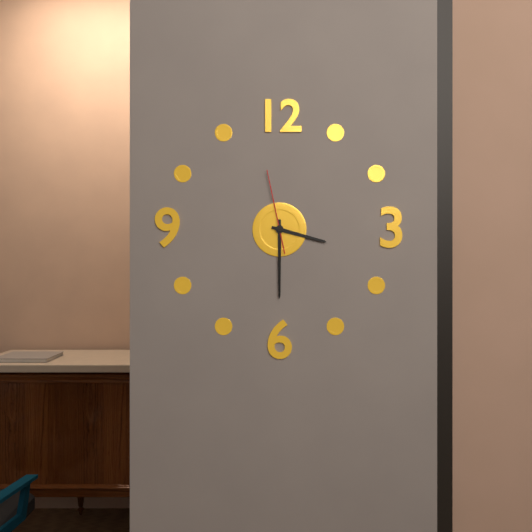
3:30:58
